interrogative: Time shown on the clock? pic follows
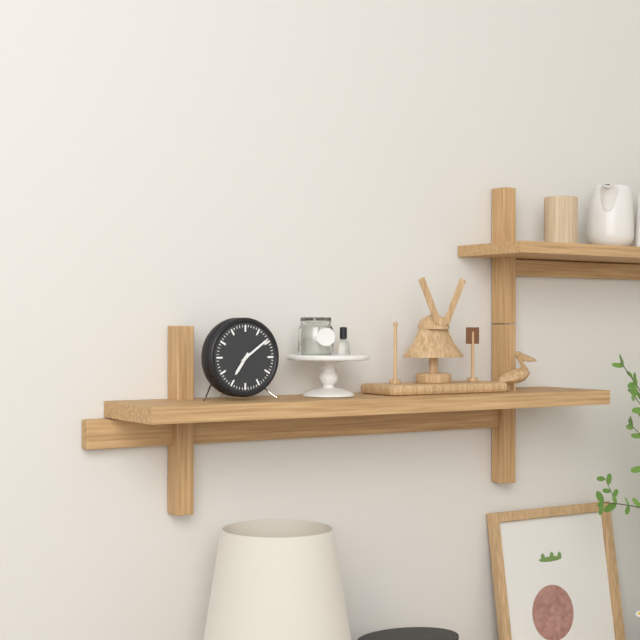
7:09
